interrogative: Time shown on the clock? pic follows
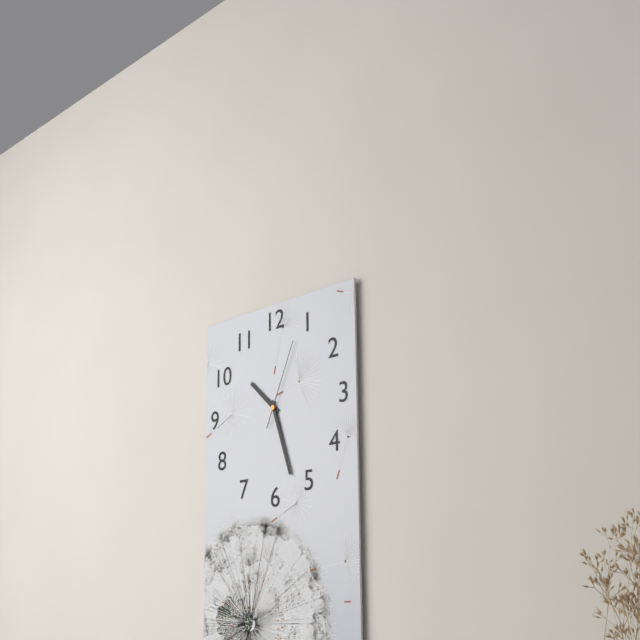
10:27:04
